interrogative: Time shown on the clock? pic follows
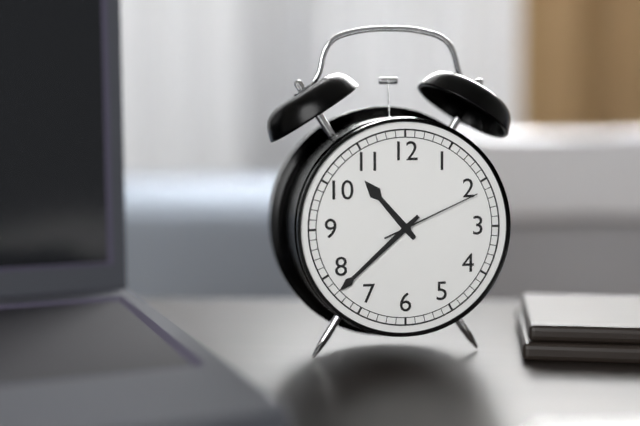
10:38:11
